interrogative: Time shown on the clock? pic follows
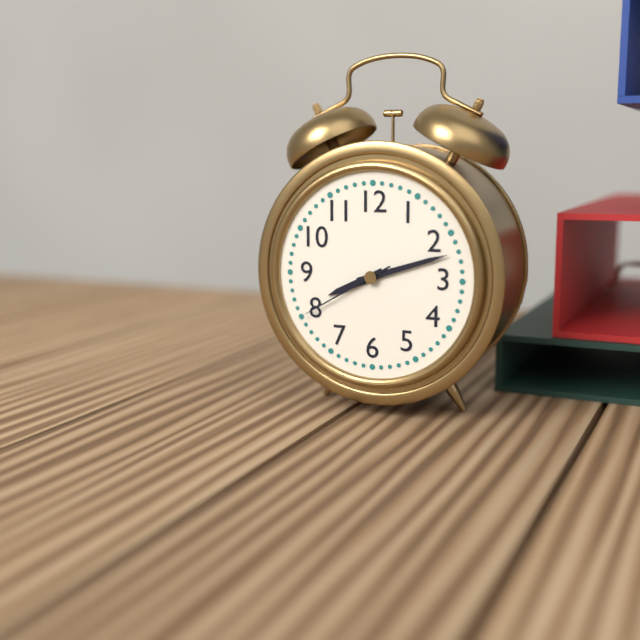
8:12:40
